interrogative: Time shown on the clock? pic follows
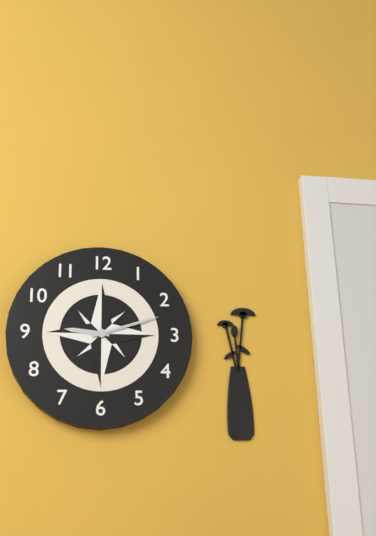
9:12
